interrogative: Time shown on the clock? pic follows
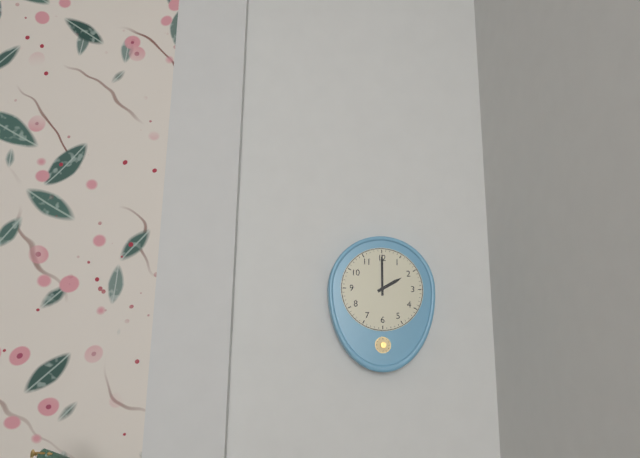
2:00
